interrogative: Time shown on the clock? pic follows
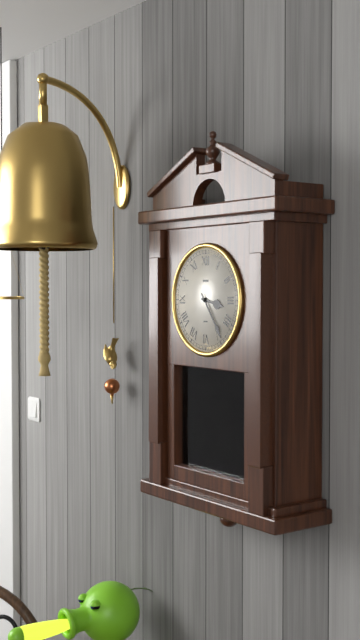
3:24
